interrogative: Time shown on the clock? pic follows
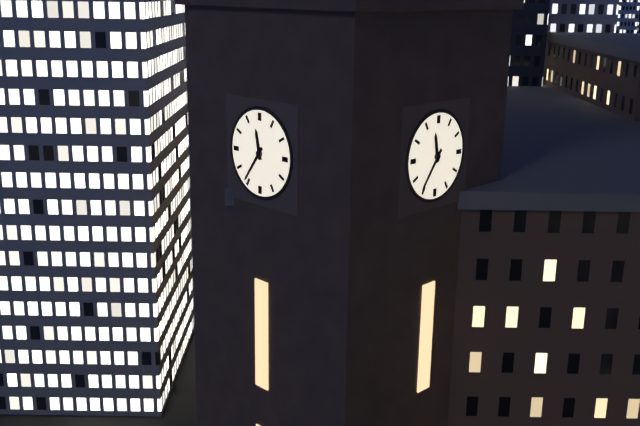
11:36
